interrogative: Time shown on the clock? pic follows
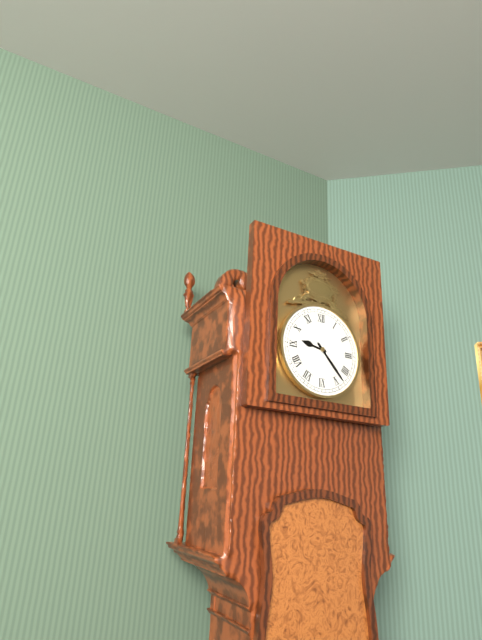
9:23
